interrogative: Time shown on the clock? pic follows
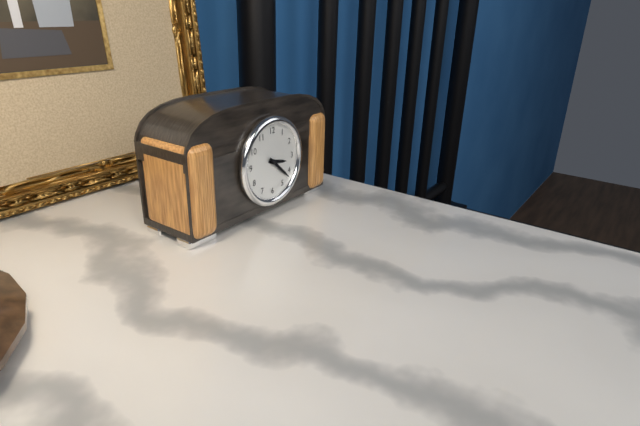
3:22
